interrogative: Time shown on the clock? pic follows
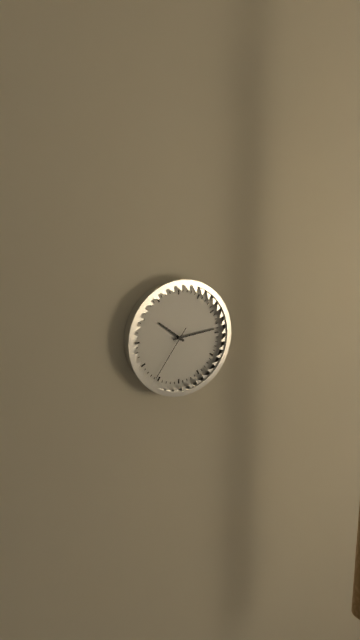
10:14:36
